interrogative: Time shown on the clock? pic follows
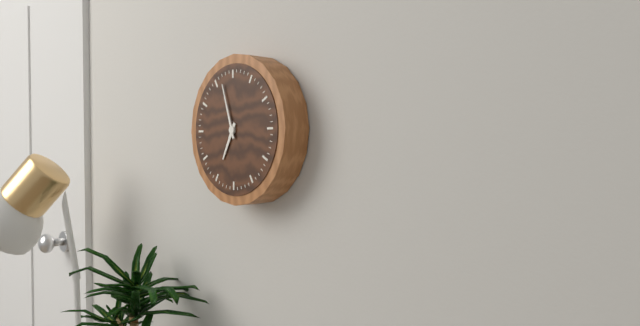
6:57
